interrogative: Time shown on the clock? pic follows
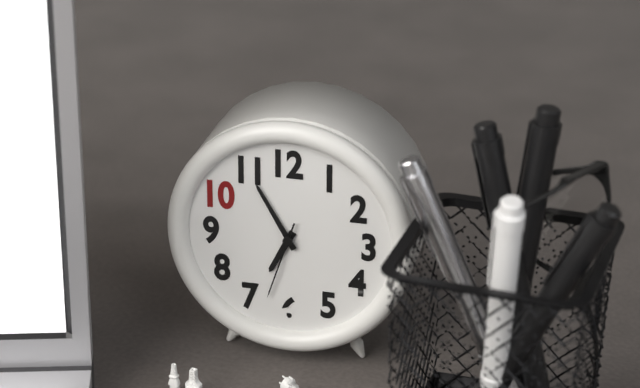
6:55:33
